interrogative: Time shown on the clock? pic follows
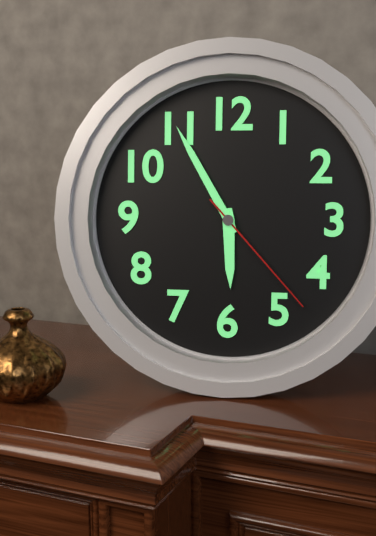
5:55:23
